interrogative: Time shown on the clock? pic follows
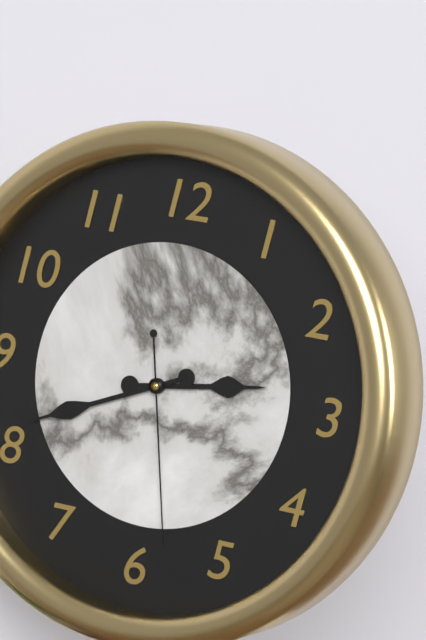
2:41:28
